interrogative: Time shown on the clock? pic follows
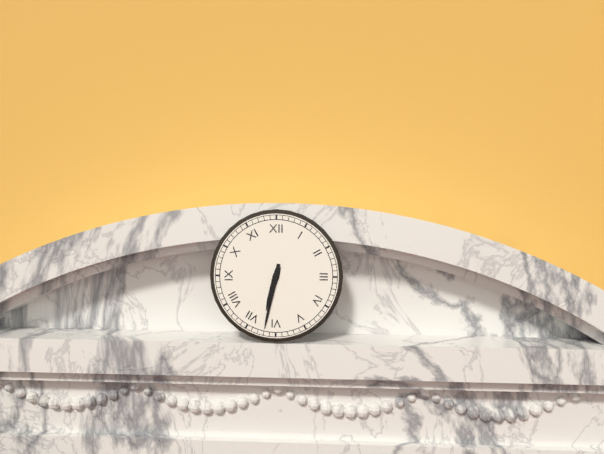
6:32
